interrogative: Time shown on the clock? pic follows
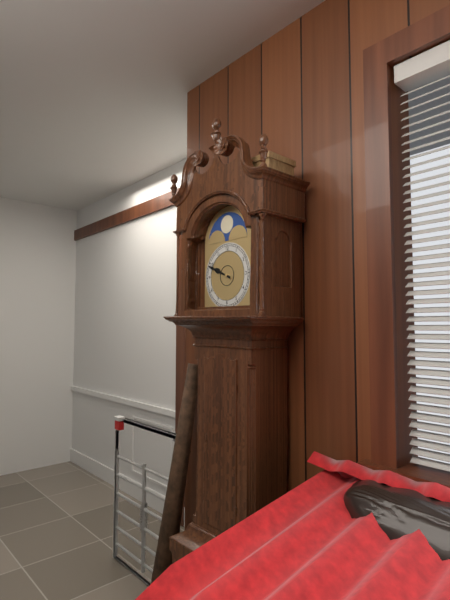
9:49
